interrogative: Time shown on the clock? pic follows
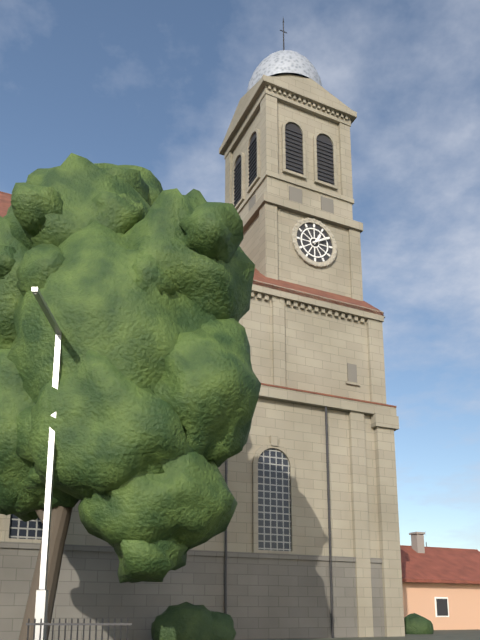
1:10
